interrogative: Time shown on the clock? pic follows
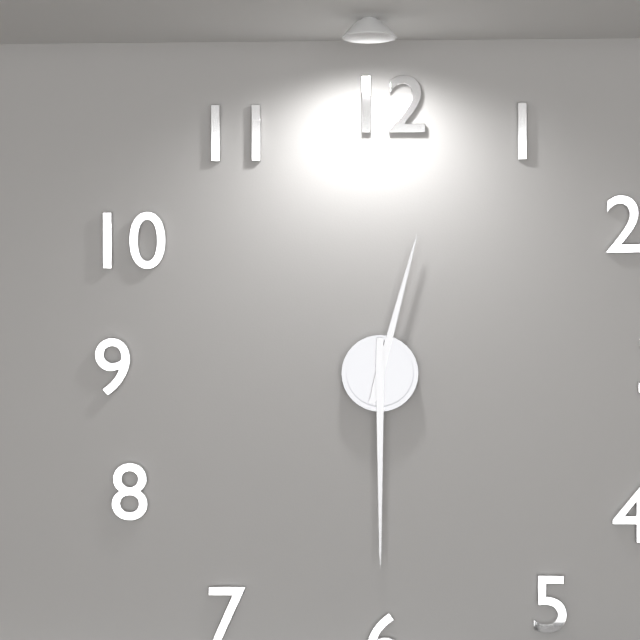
12:30
